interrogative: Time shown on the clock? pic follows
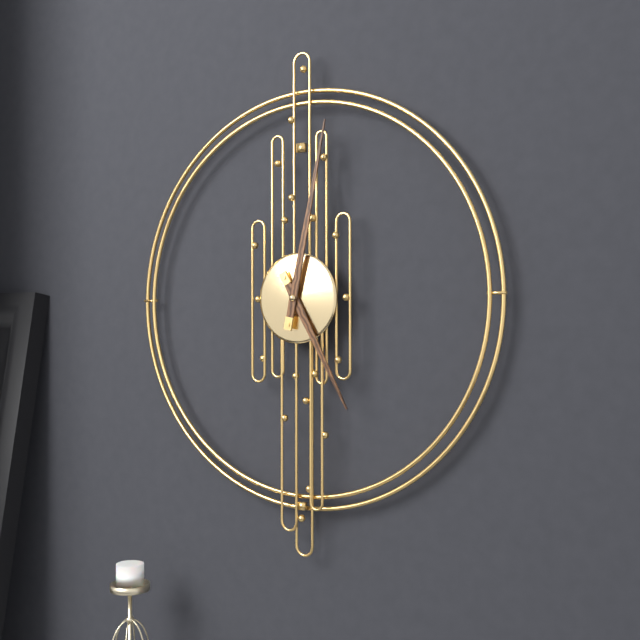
5:02
